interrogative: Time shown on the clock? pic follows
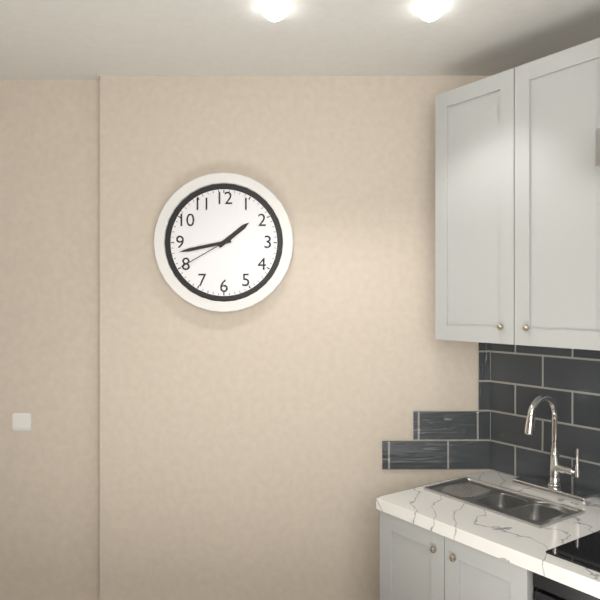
1:43:40
